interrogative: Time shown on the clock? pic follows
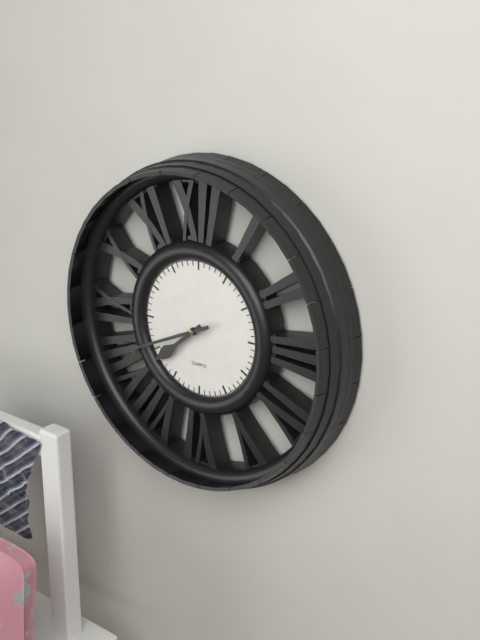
7:41
